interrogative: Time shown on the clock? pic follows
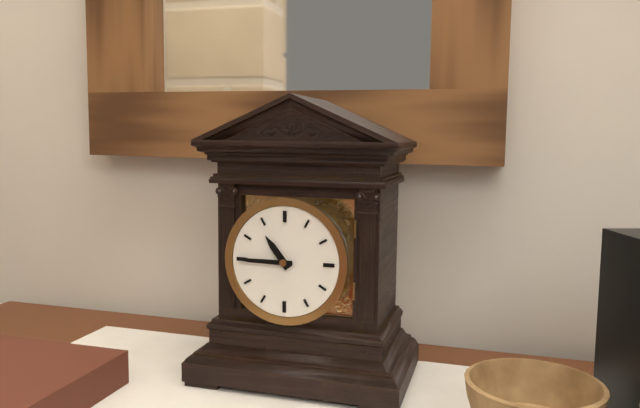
10:45
